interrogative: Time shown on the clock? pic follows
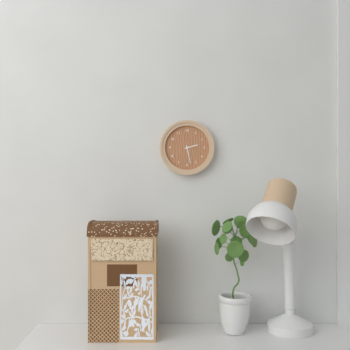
2:28
